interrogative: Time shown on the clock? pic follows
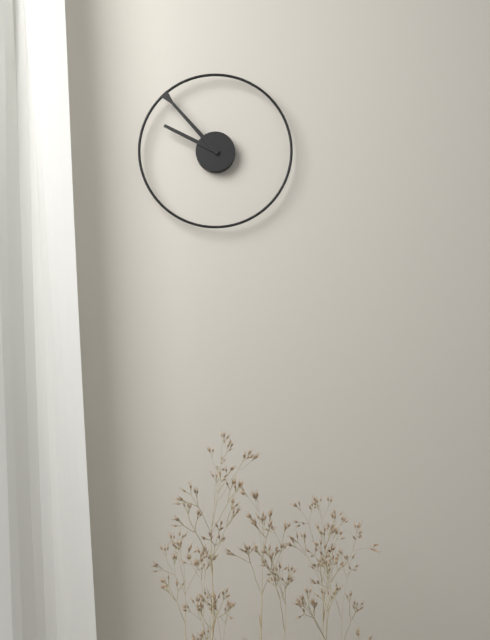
9:53
